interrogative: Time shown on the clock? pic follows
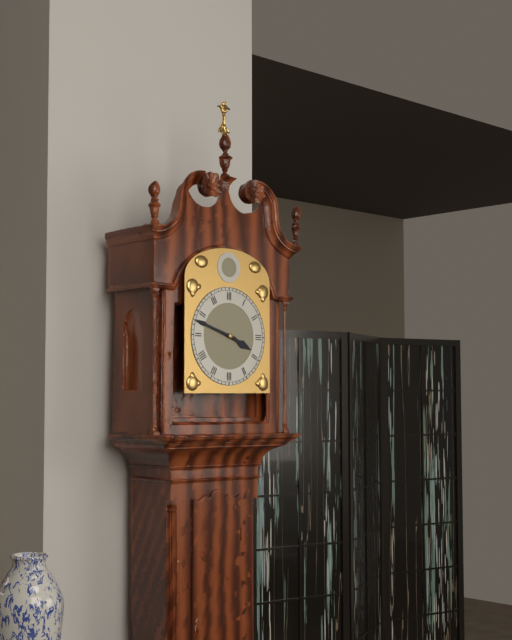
3:48
